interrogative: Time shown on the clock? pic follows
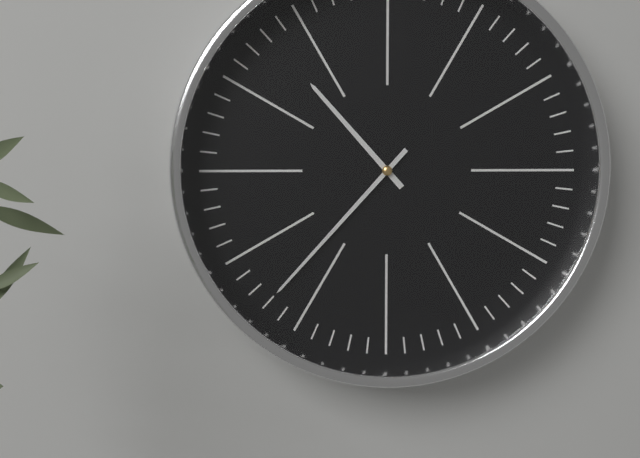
10:37
